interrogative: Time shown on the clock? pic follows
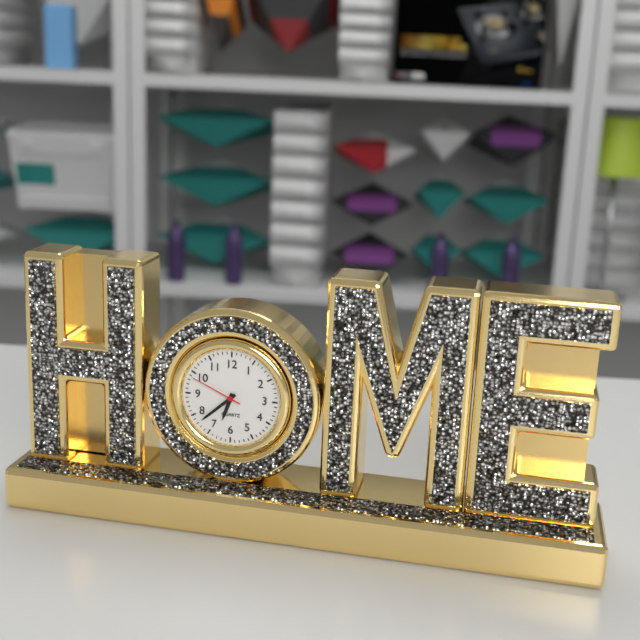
6:38:49
